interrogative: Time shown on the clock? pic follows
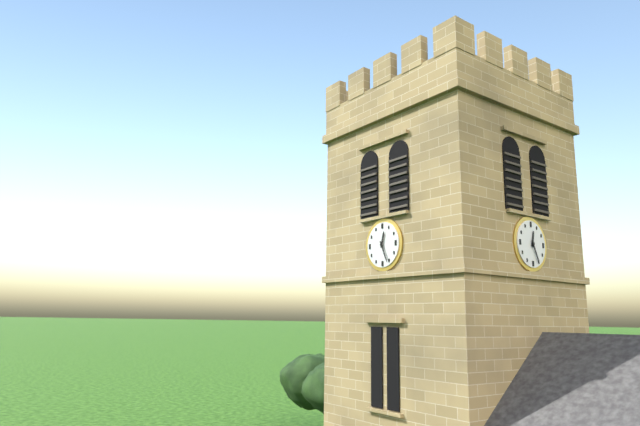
12:26
